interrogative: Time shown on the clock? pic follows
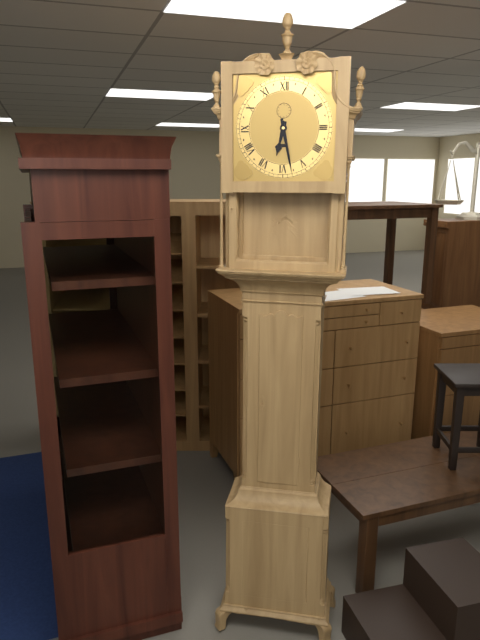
6:28
